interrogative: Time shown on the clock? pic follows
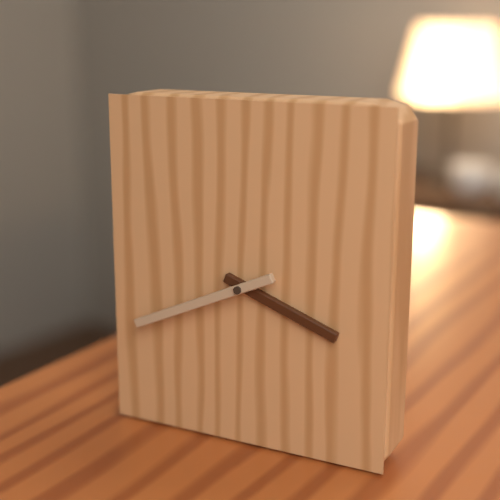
3:41
